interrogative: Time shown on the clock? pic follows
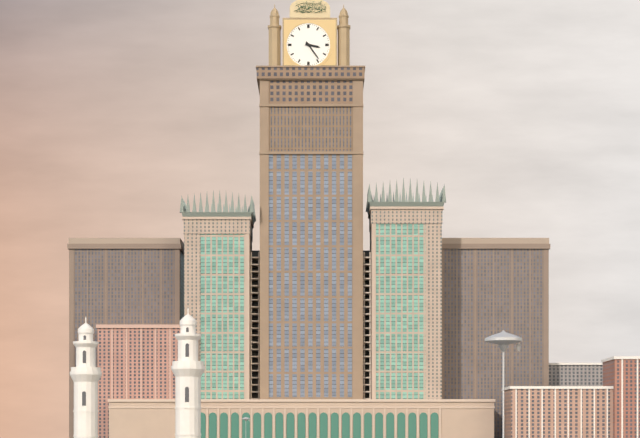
3:24
